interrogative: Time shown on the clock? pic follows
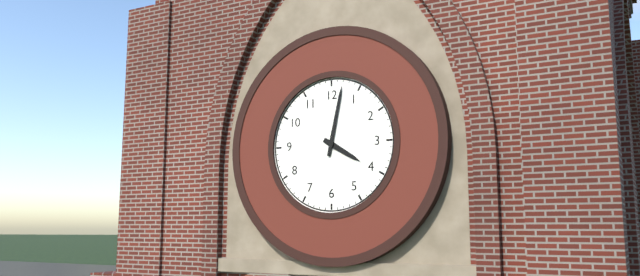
4:02
